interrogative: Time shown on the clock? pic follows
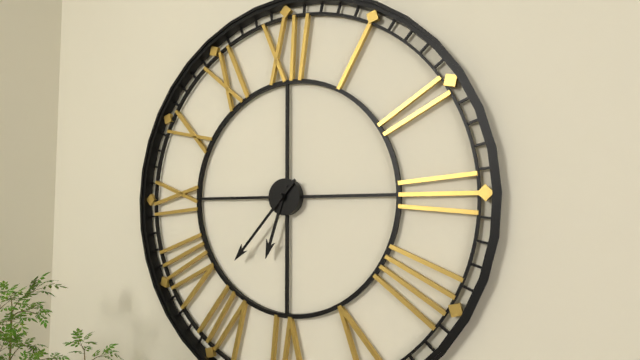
6:37
